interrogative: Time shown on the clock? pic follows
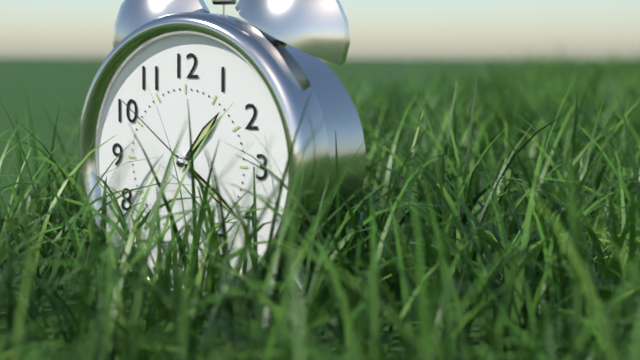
1:21:51
